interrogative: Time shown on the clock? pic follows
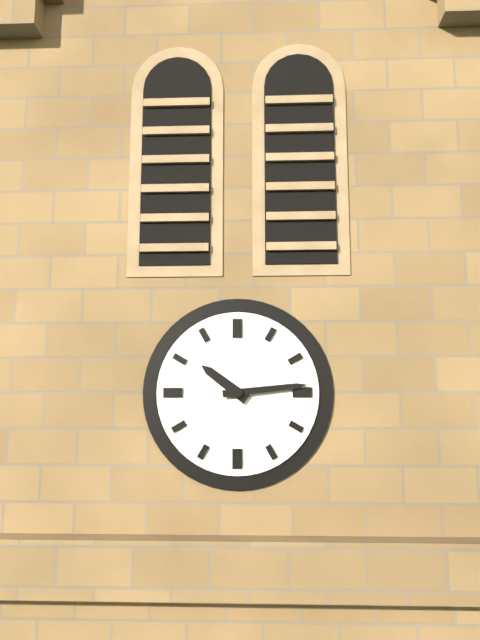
10:14
